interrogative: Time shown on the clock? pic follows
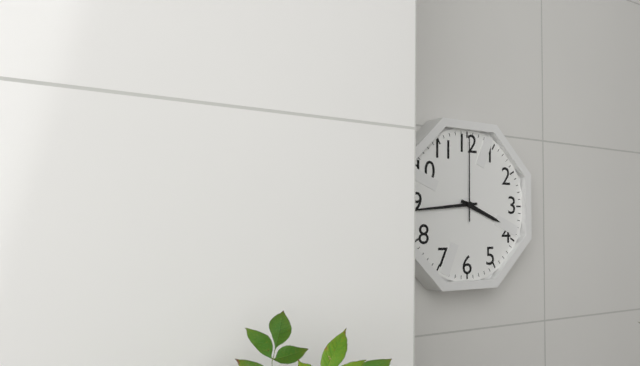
3:44:00
